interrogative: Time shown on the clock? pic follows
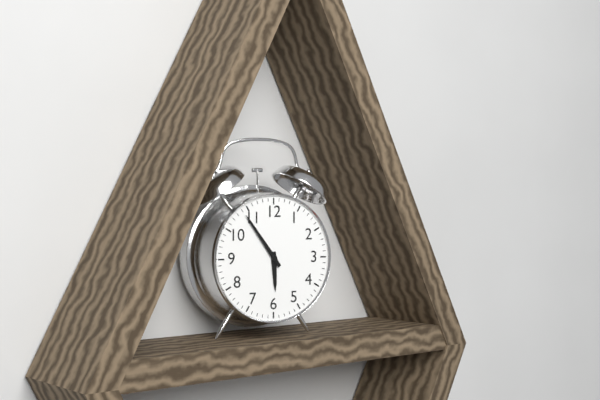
5:54
